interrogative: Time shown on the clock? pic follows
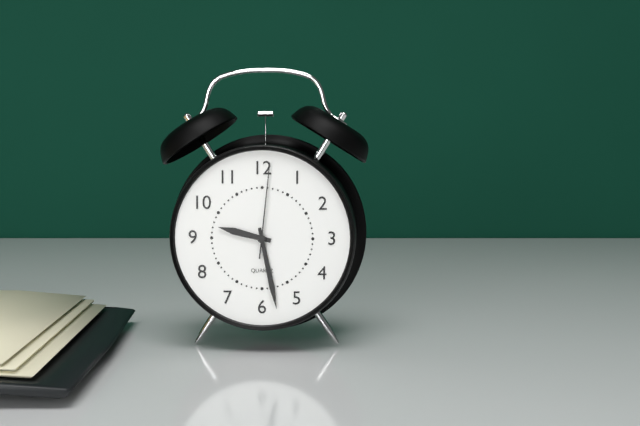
9:28:01
